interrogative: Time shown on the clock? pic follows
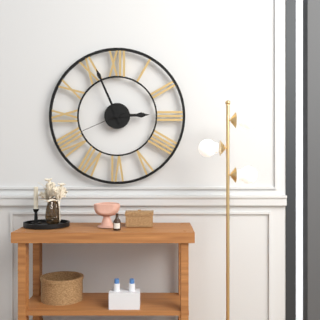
2:56:41
